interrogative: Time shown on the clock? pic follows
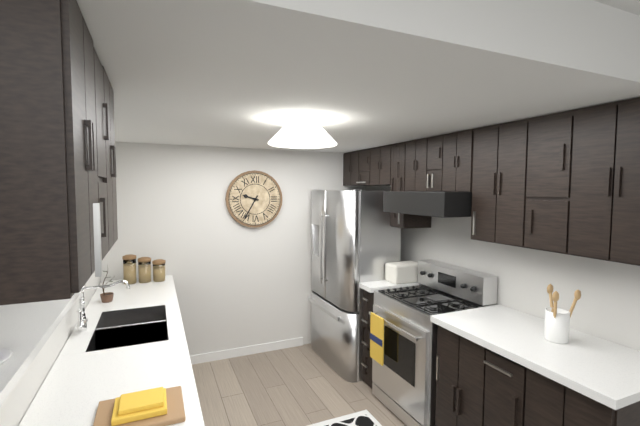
9:35
